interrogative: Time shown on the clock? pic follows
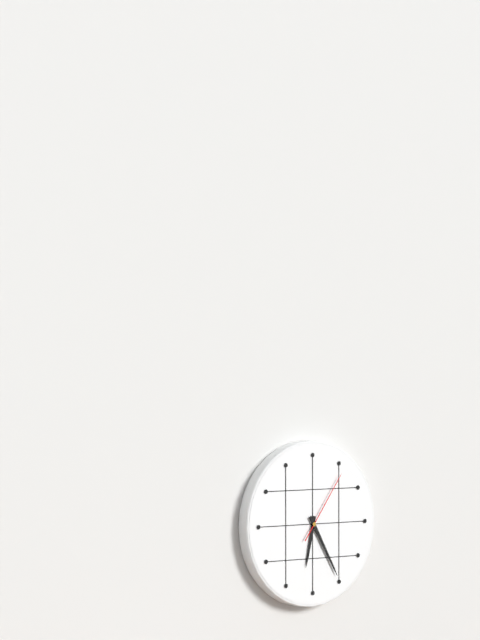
6:25:06
